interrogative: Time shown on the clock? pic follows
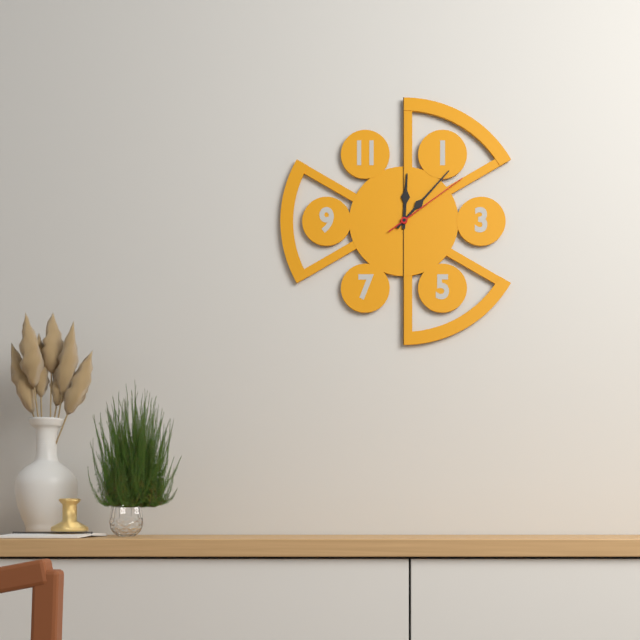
12:07:09
